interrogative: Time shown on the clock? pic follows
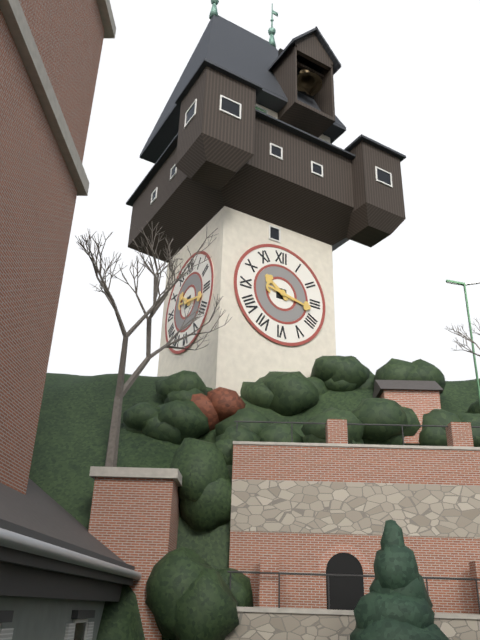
10:17
